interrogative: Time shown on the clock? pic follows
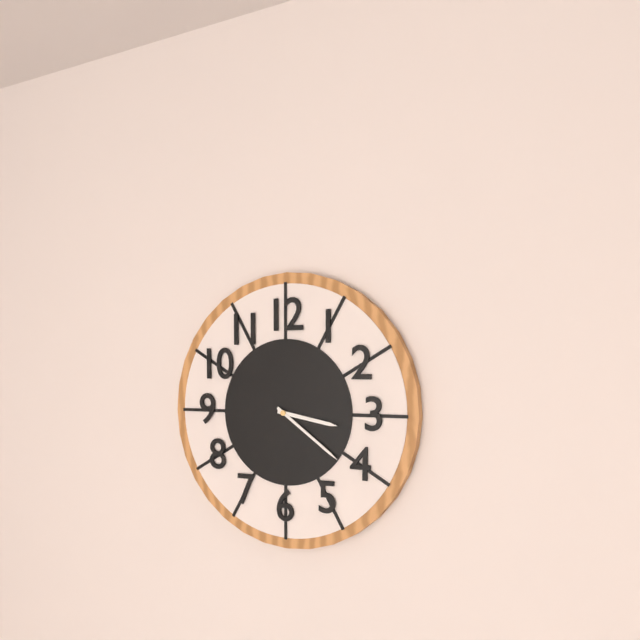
3:21
